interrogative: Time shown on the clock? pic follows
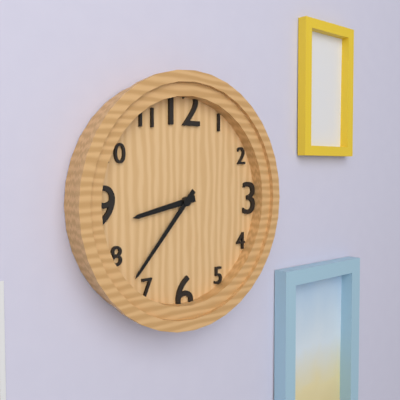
8:37
